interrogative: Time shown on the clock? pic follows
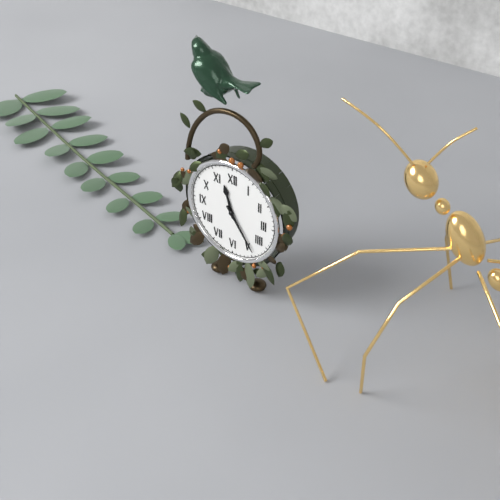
11:24
